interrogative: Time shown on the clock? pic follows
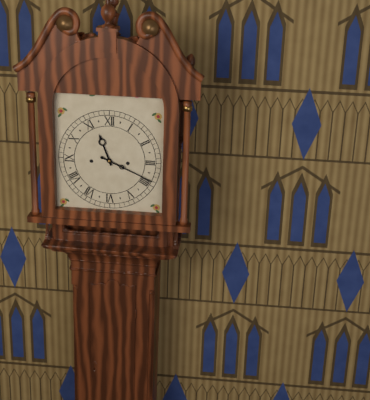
11:19
